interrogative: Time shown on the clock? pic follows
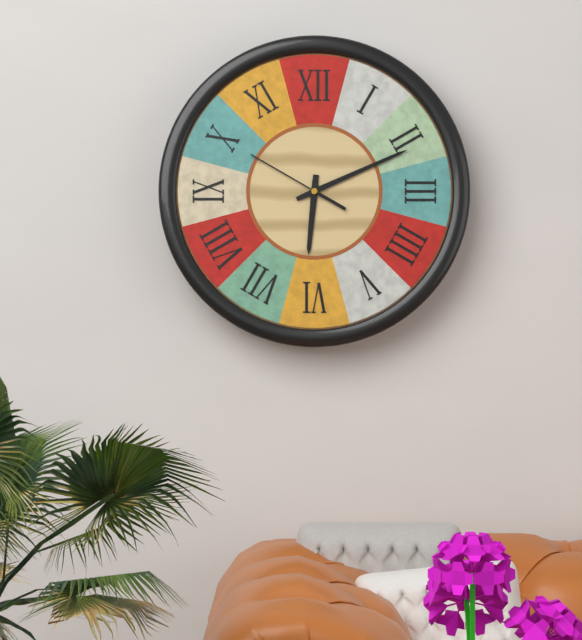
6:11:50
